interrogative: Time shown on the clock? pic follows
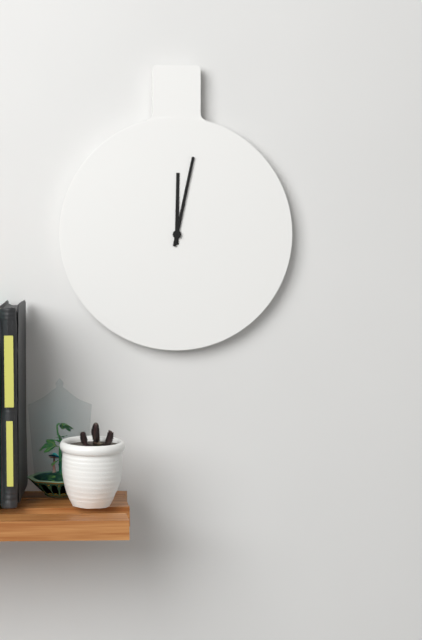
12:02
